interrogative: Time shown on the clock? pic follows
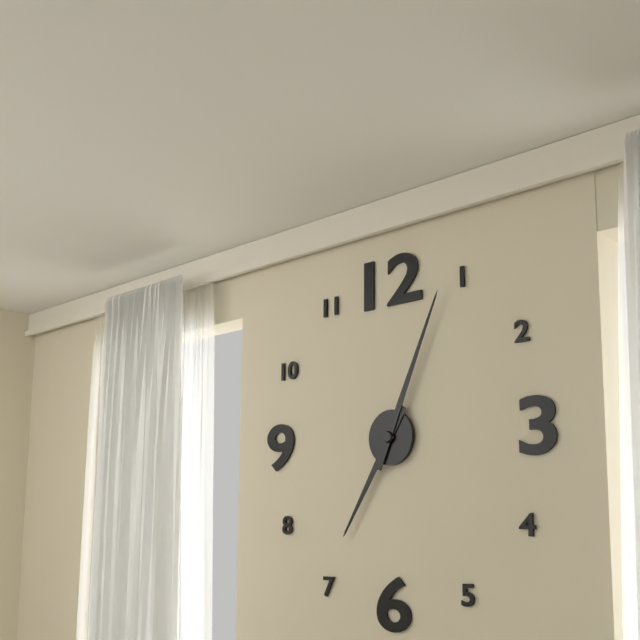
7:04
